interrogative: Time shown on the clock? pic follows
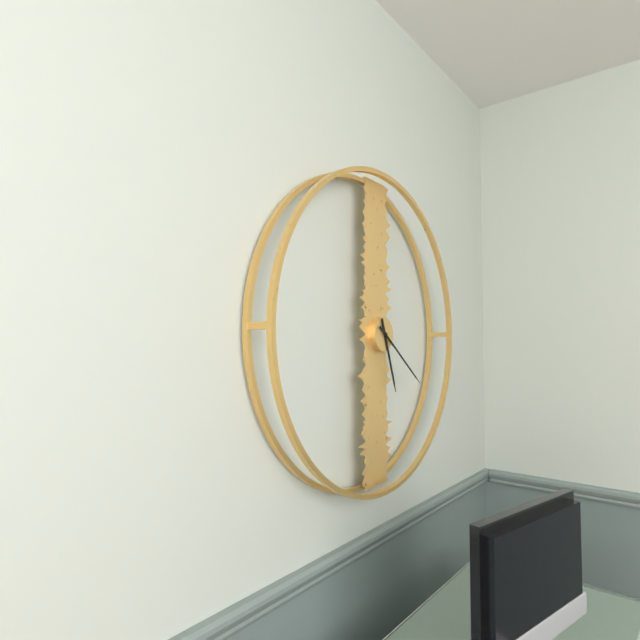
5:21
